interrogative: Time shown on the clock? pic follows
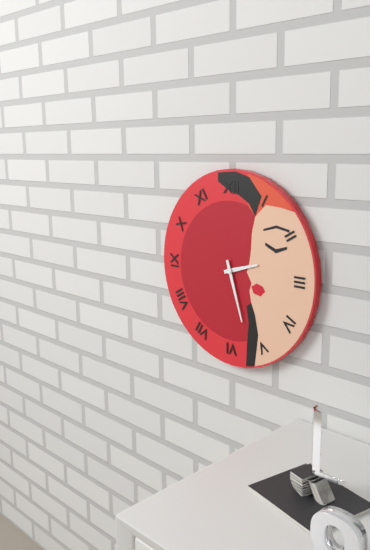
2:27
